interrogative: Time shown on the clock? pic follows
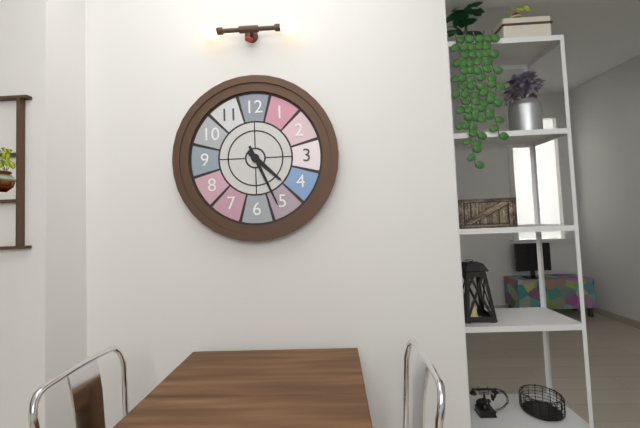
4:26
